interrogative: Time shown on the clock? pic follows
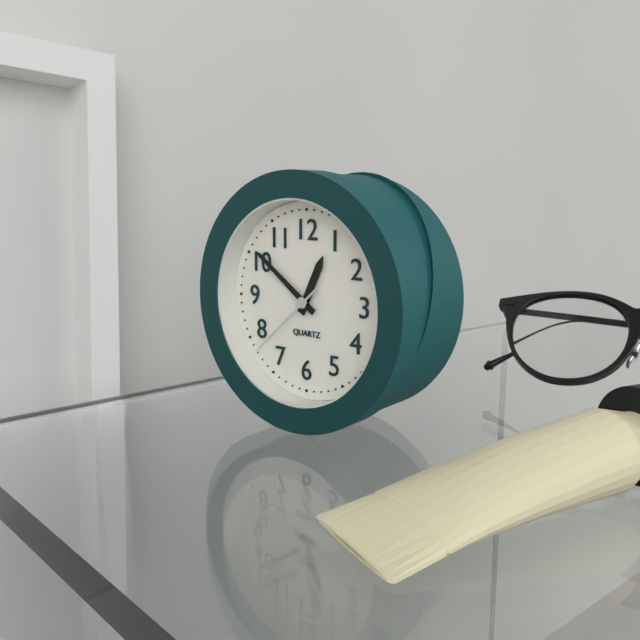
12:51:38
